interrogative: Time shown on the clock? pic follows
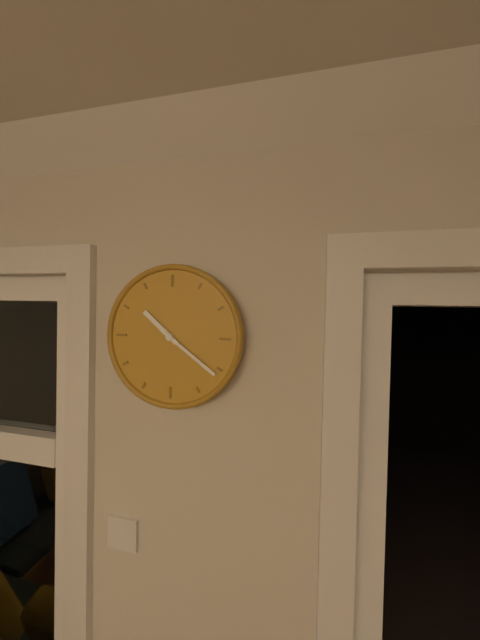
10:21
